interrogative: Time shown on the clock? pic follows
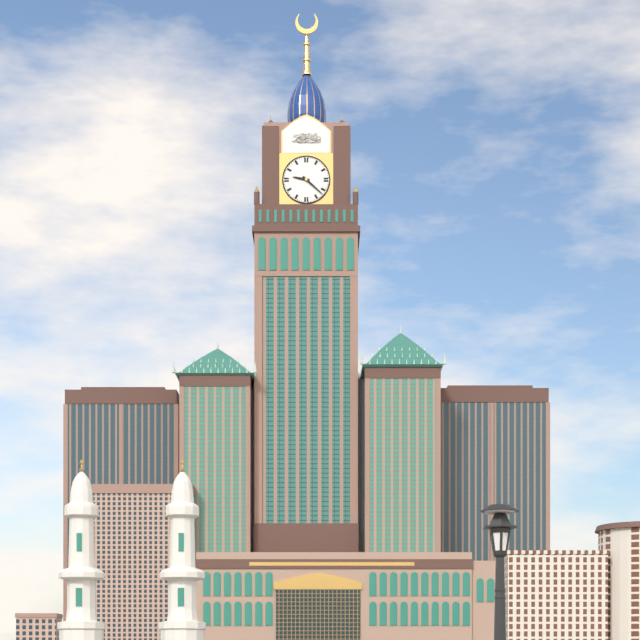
9:22
